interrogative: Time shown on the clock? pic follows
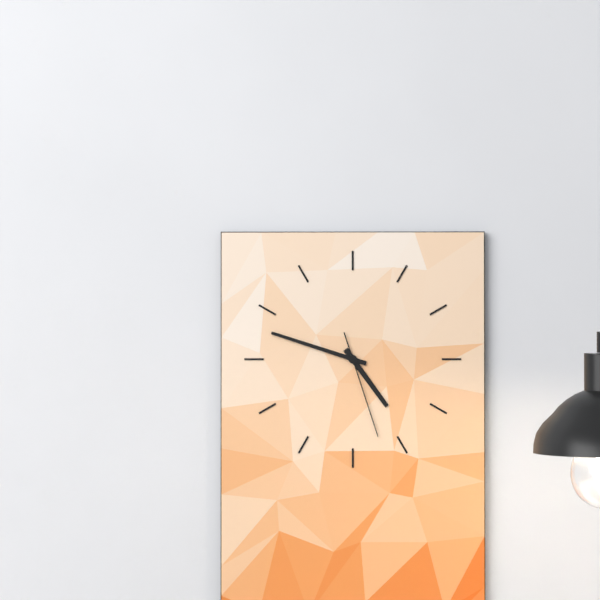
4:48:27
